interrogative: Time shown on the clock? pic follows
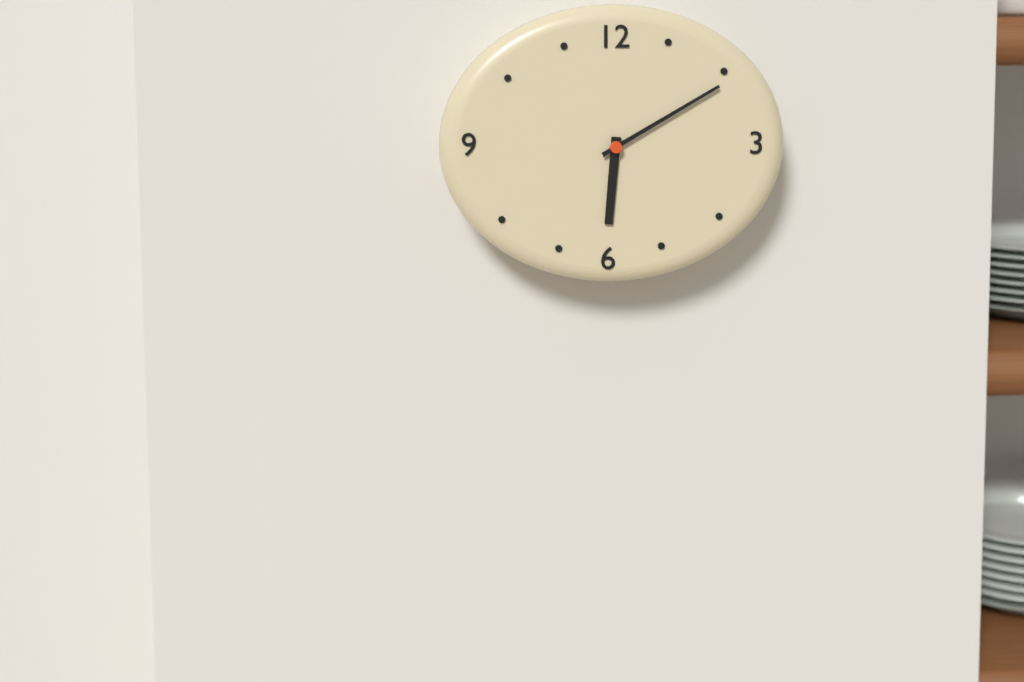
6:10
